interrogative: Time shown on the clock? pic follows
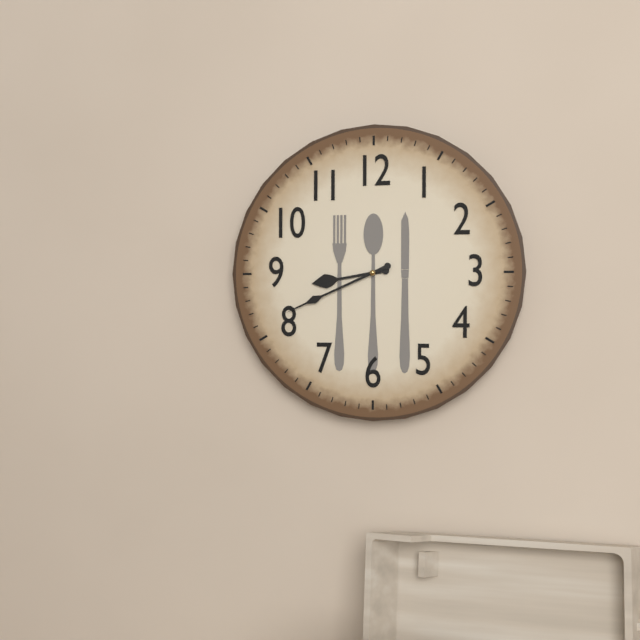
8:41
